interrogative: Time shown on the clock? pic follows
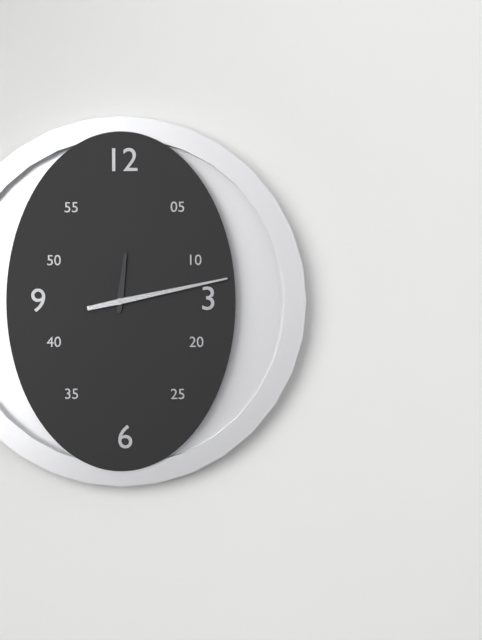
12:13
